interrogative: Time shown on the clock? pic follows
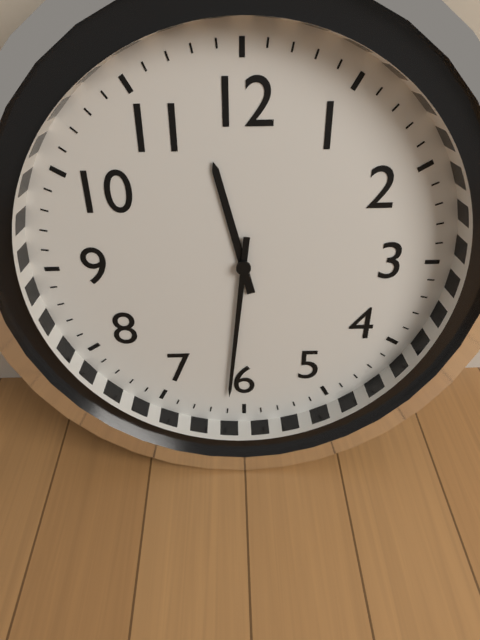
11:31
